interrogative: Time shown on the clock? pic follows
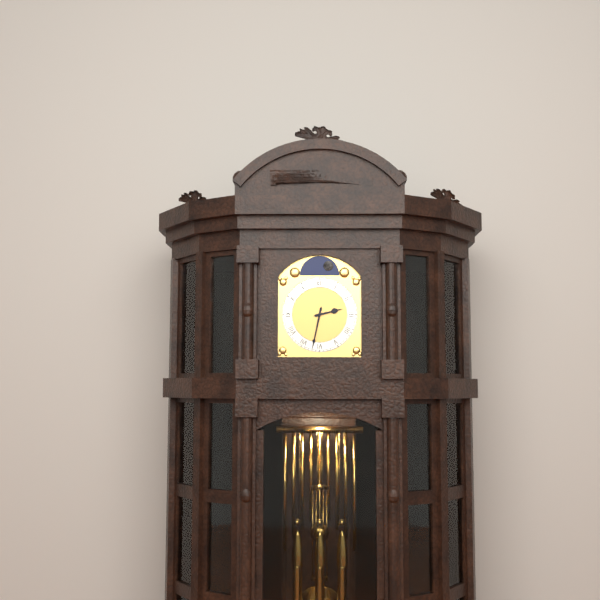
2:32
